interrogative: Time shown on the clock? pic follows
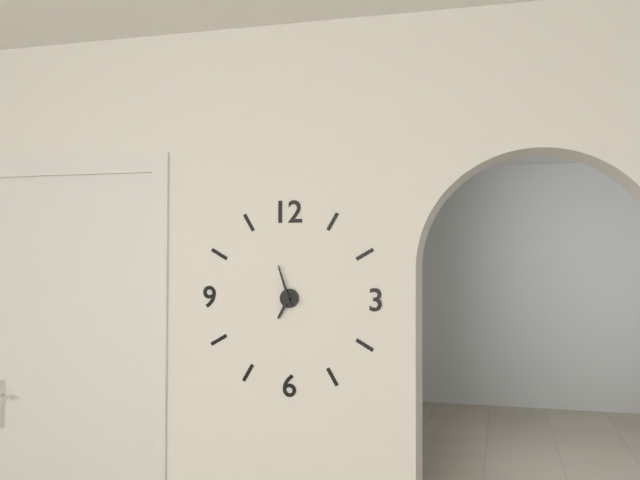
6:57
